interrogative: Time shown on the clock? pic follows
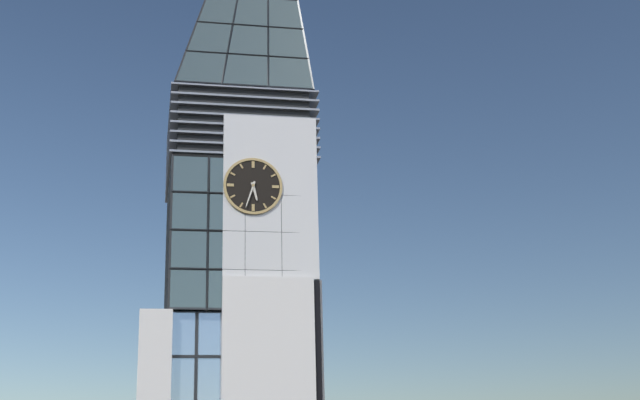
5:33
